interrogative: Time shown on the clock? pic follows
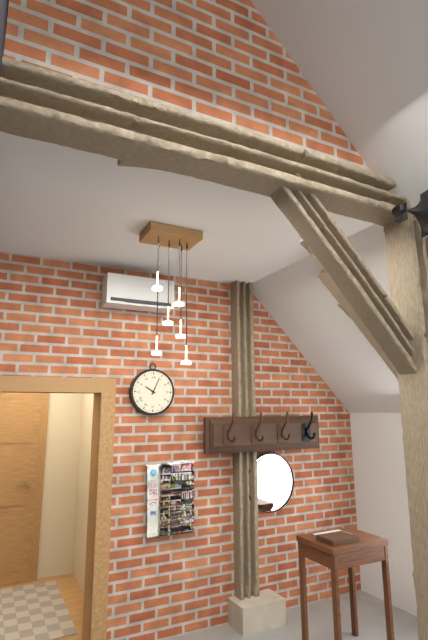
10:04
